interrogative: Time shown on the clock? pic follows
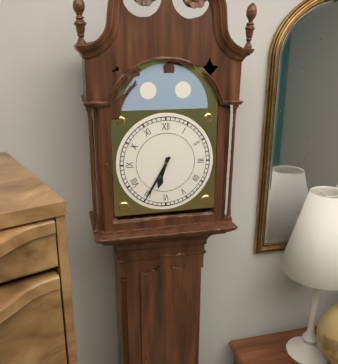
6:35
